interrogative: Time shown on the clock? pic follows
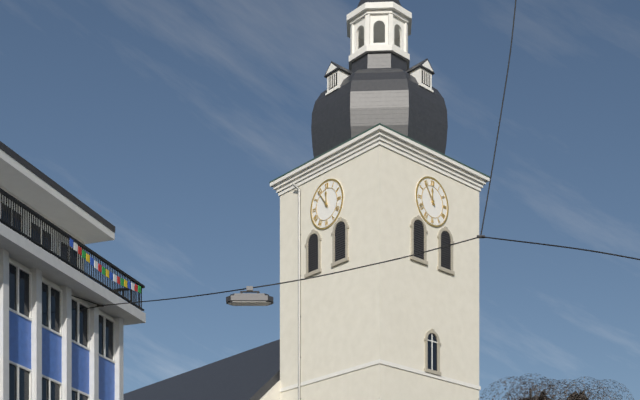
11:54
